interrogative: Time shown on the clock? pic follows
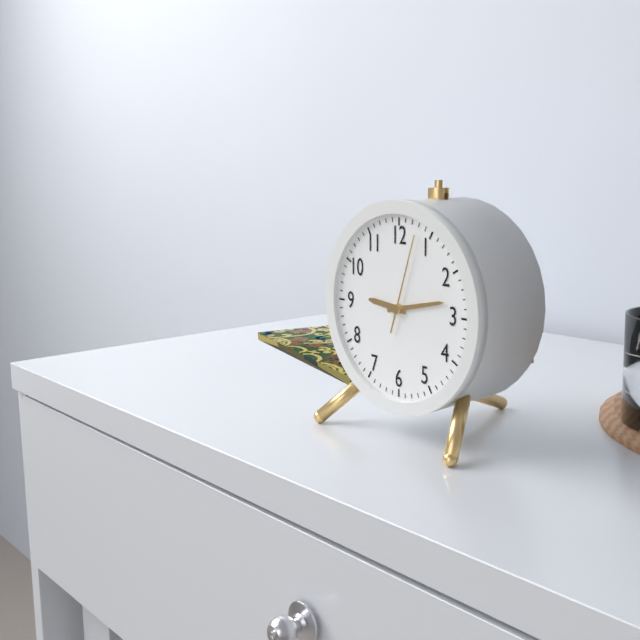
9:13:03
